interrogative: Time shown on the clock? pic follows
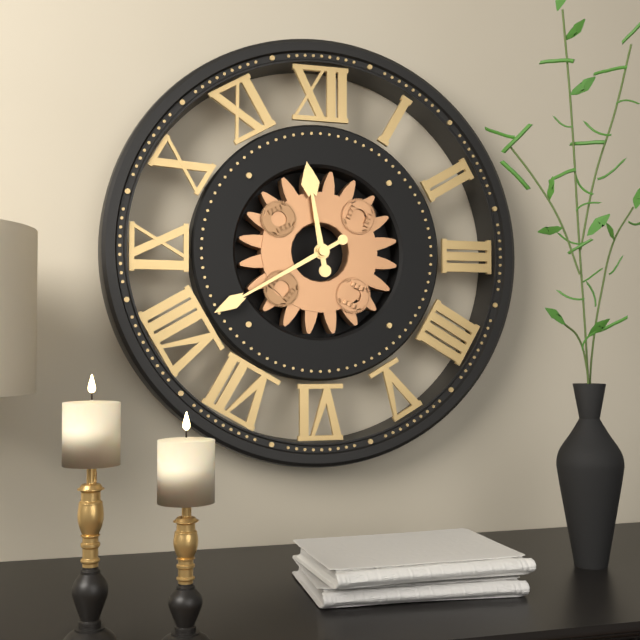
11:40
